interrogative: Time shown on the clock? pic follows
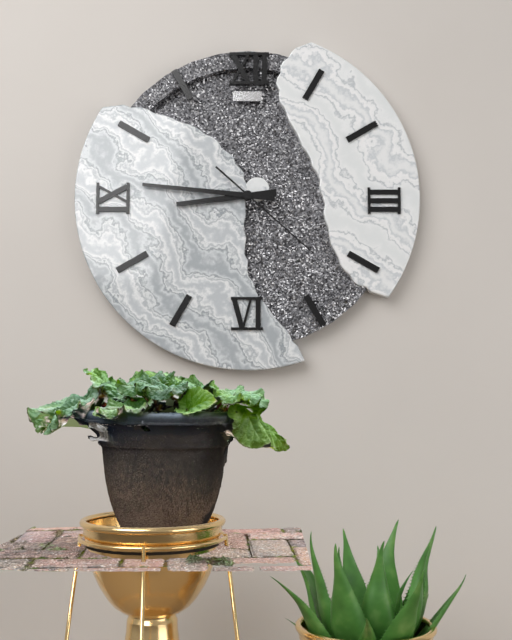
8:46:22
